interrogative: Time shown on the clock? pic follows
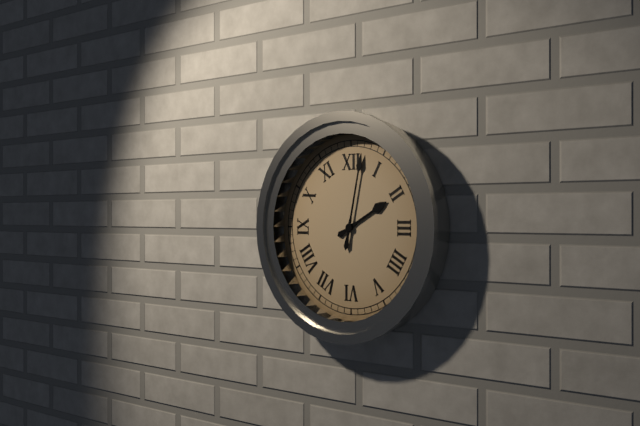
2:02
